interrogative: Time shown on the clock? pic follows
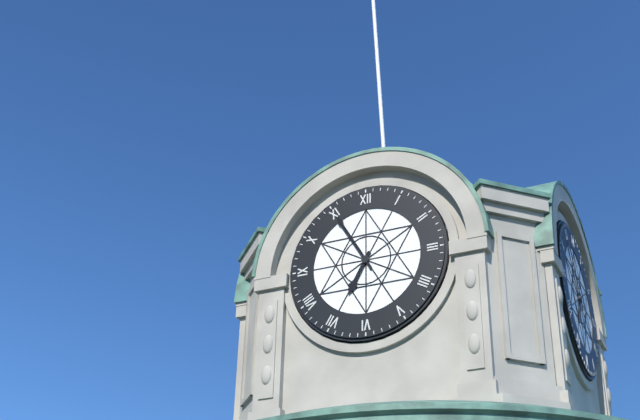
6:55
